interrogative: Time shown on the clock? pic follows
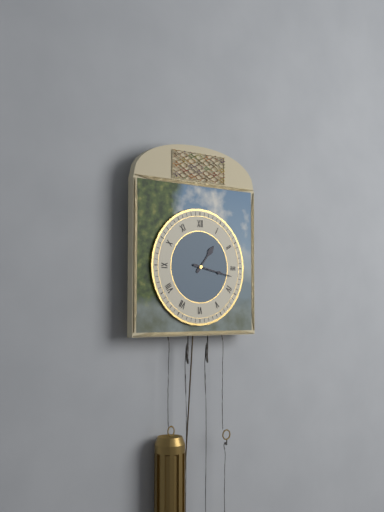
1:17
